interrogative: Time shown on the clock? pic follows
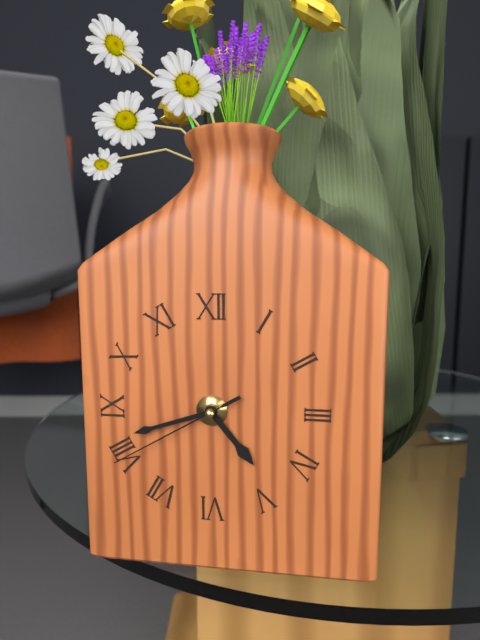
4:42:40
